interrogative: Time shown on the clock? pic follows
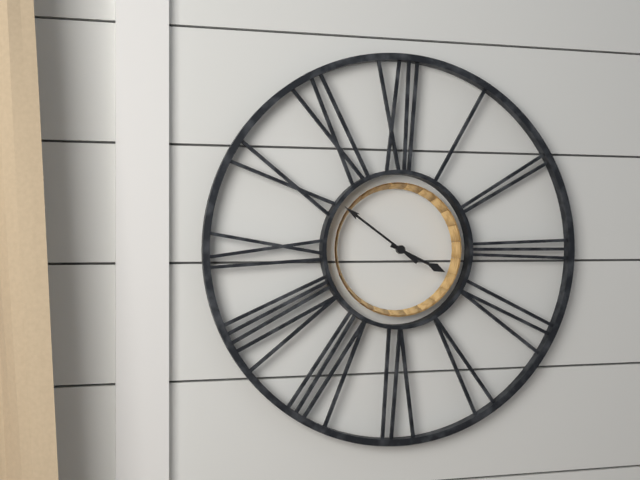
3:51
